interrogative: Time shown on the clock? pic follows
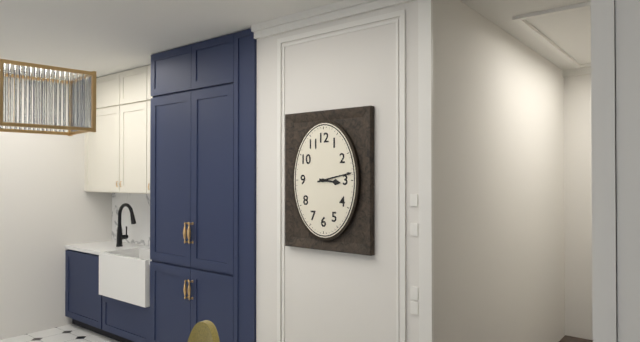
3:13
